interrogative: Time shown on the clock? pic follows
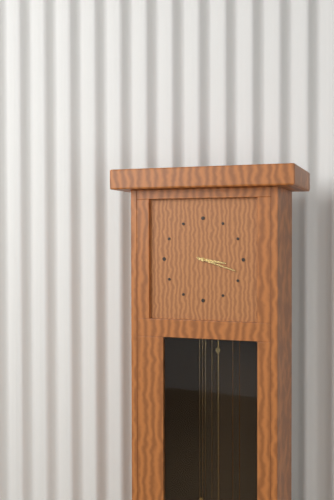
3:18
